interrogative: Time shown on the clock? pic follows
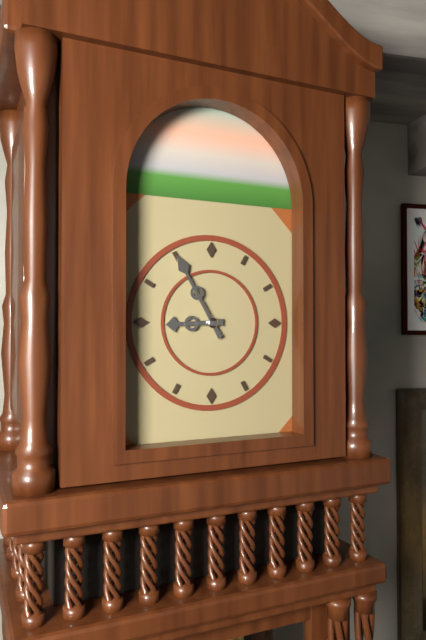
8:55
